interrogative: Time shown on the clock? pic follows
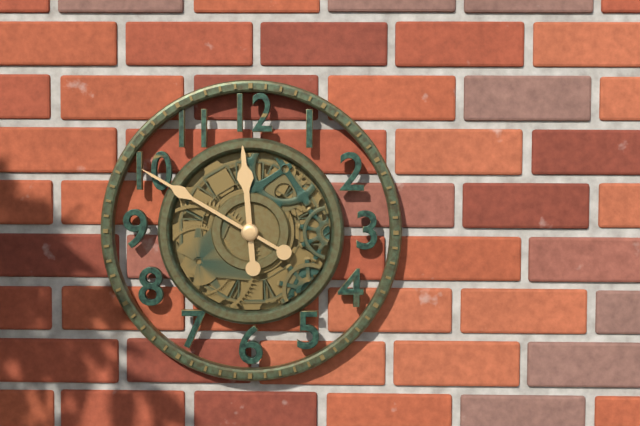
11:50
